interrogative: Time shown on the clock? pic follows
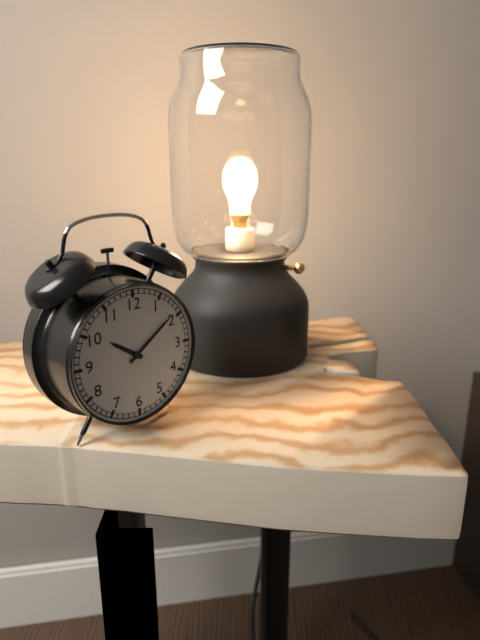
10:09
